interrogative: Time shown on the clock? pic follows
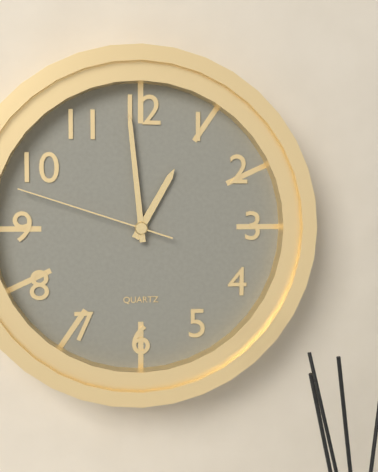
12:59:48
